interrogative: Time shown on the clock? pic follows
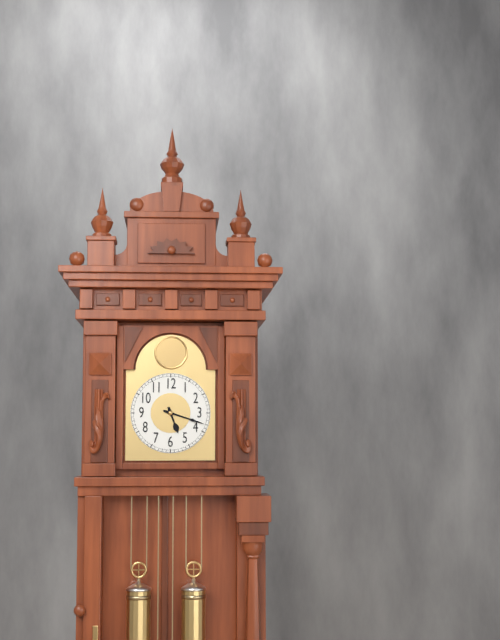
5:18
